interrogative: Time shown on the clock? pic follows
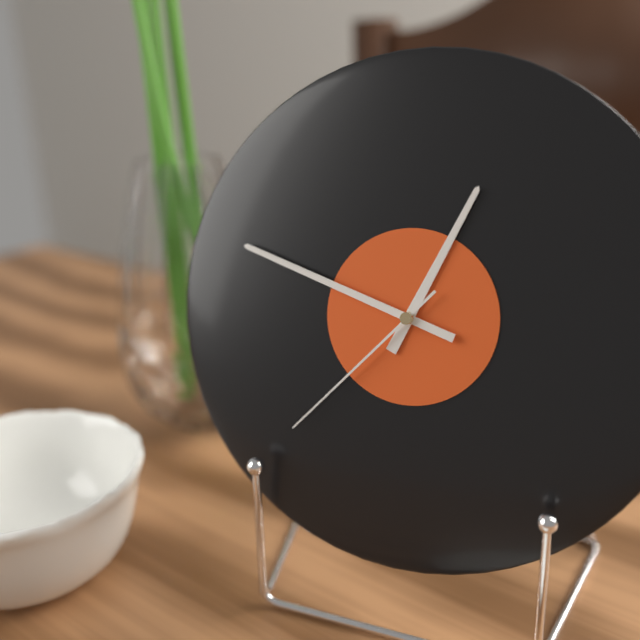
12:48:37
